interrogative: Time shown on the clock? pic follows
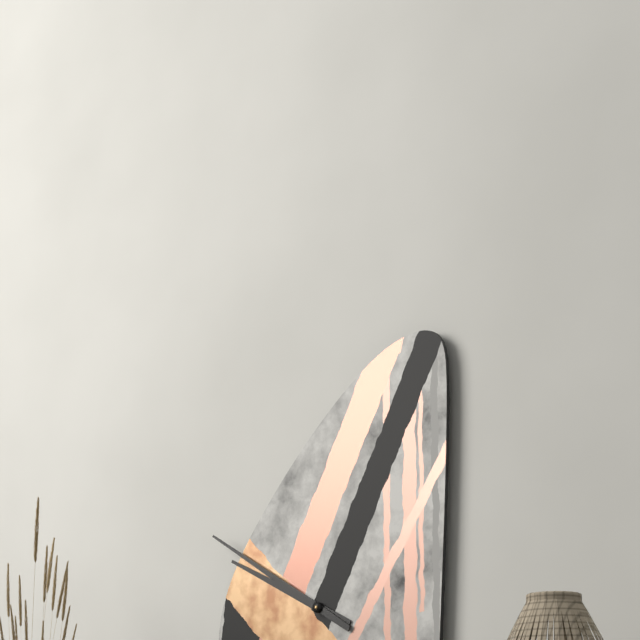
9:50
